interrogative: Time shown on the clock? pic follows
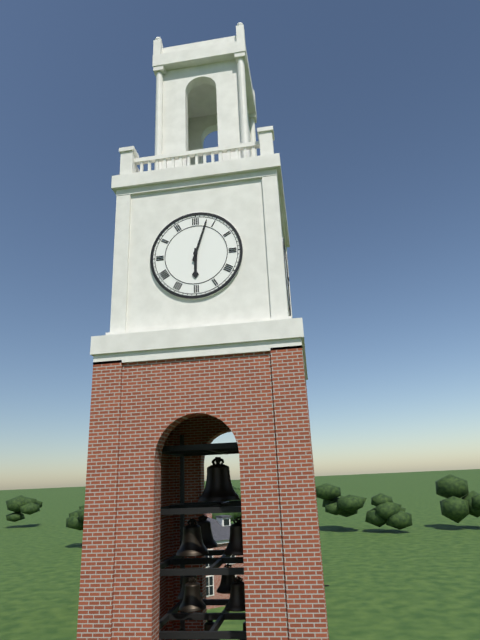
6:03
